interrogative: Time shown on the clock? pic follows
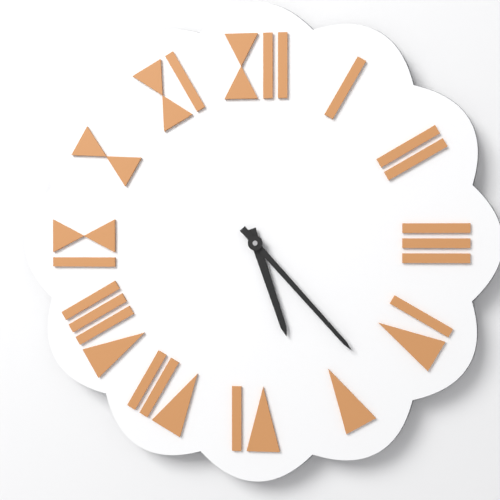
5:23
